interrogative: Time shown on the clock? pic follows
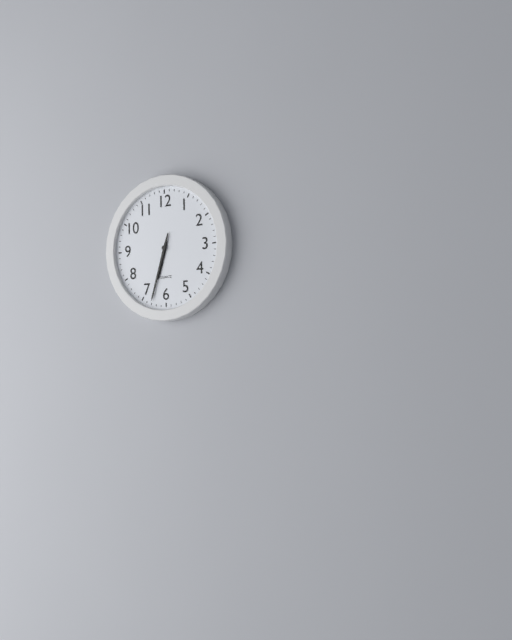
6:33
